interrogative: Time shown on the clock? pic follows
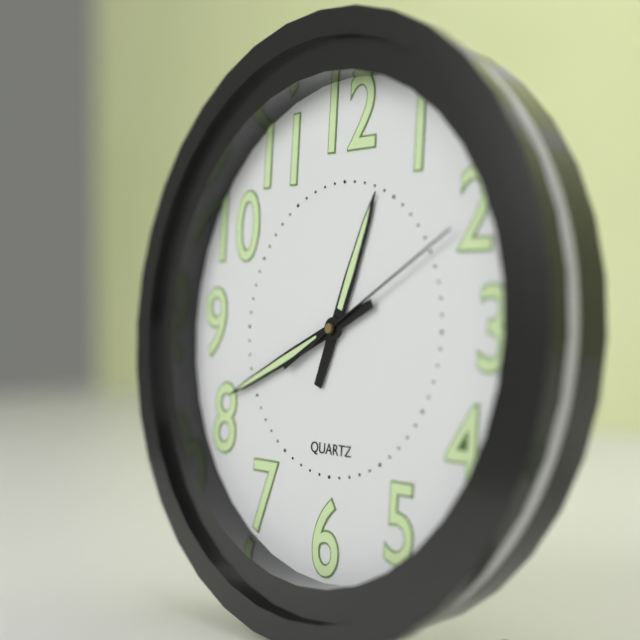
12:41:10
